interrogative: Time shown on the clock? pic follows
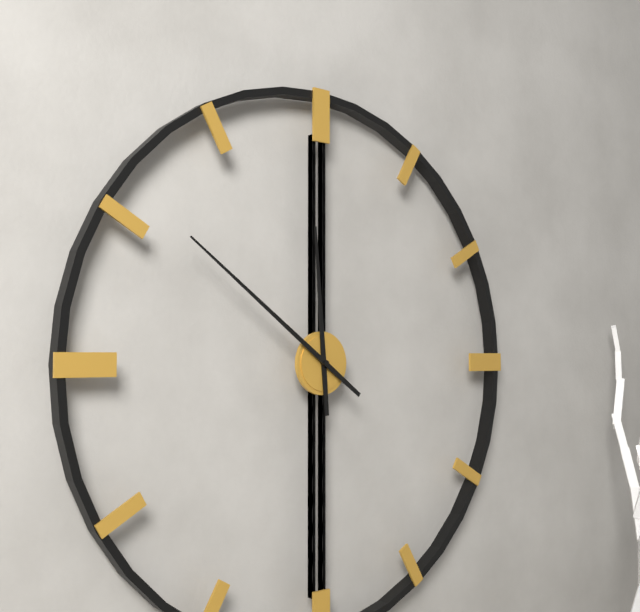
11:51
